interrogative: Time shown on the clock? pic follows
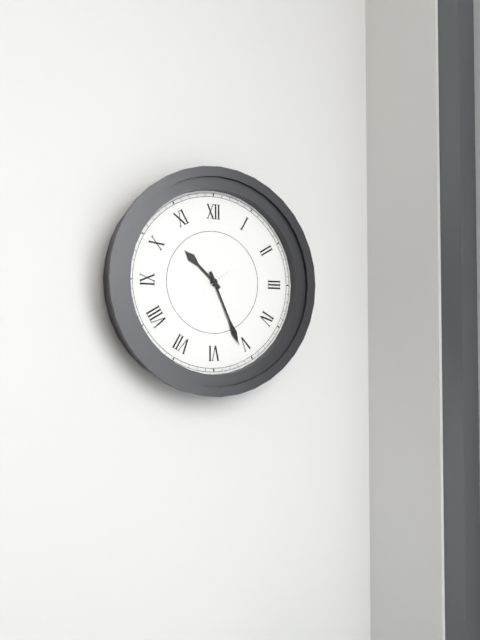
10:26:39
